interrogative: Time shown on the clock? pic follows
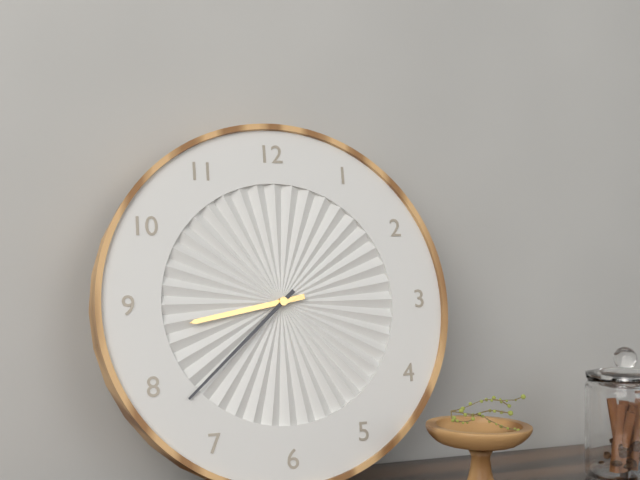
8:38
